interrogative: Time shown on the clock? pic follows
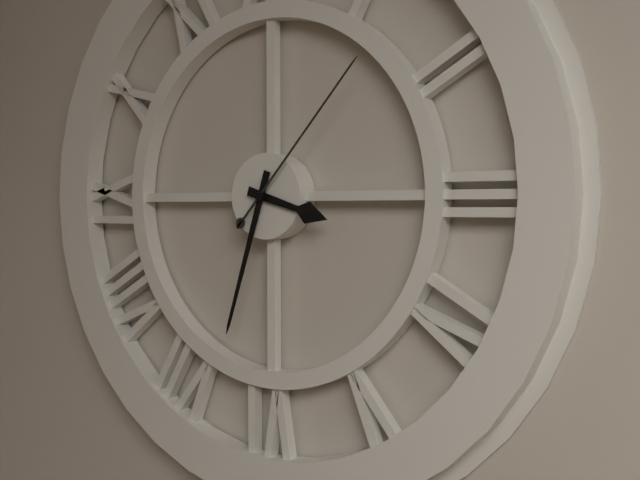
3:33:07
